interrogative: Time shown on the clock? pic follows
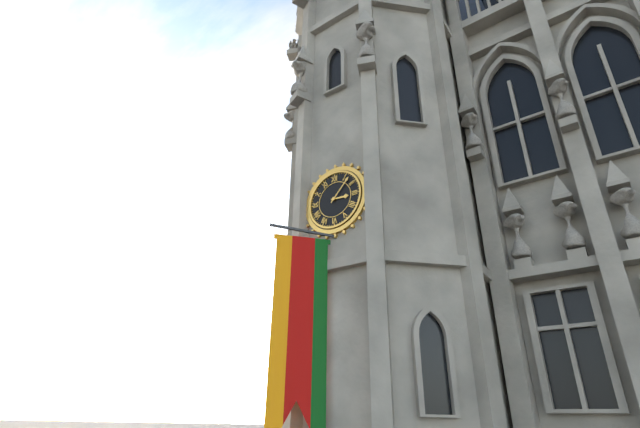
3:07
